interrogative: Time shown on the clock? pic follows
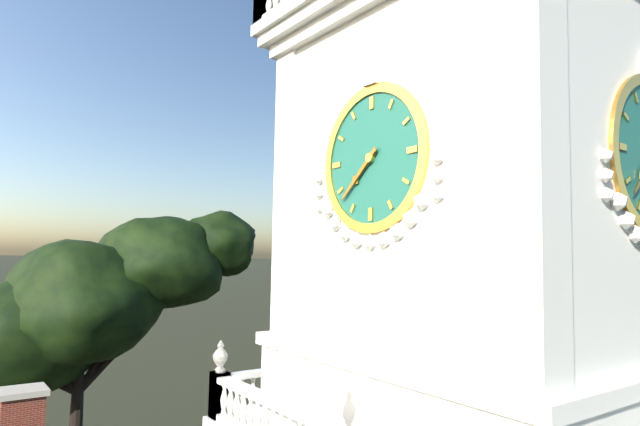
7:38
